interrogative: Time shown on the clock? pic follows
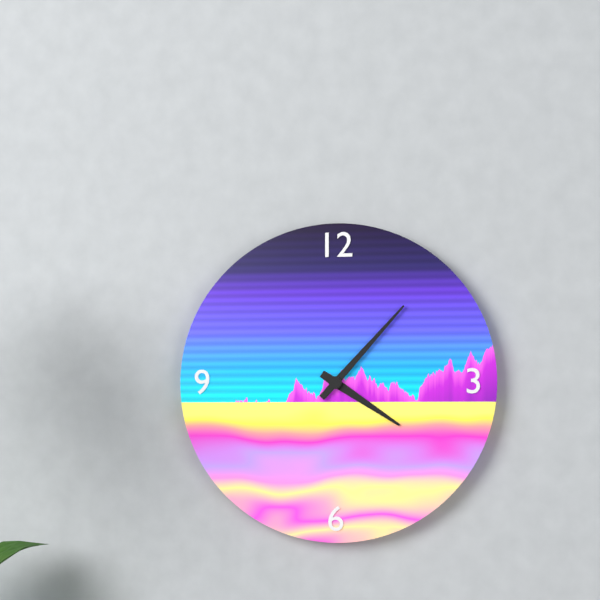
4:07
